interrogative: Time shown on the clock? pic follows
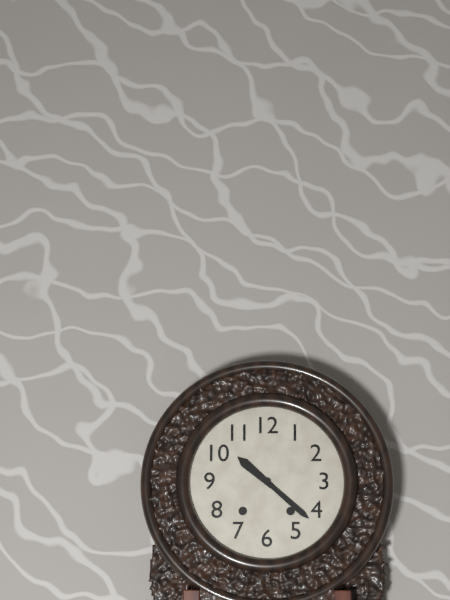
10:22
